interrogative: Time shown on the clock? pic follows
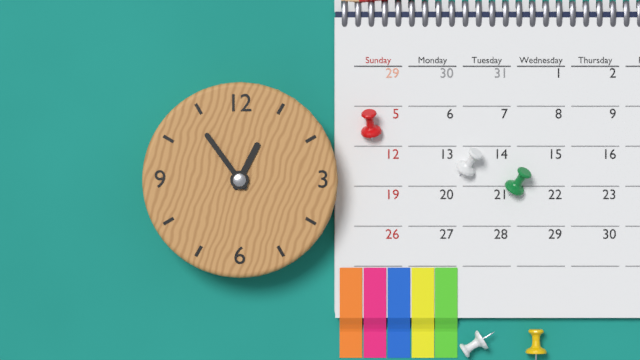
12:54
